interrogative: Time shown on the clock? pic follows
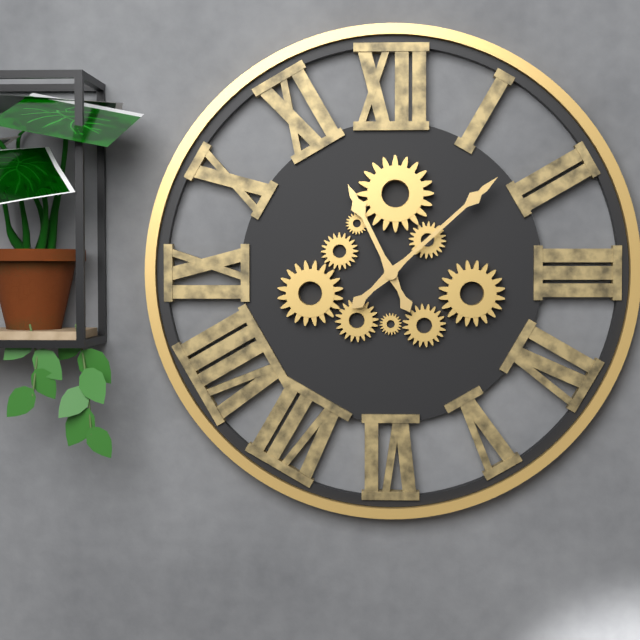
11:08
